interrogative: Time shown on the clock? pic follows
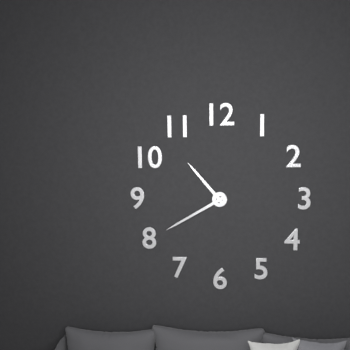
10:40
